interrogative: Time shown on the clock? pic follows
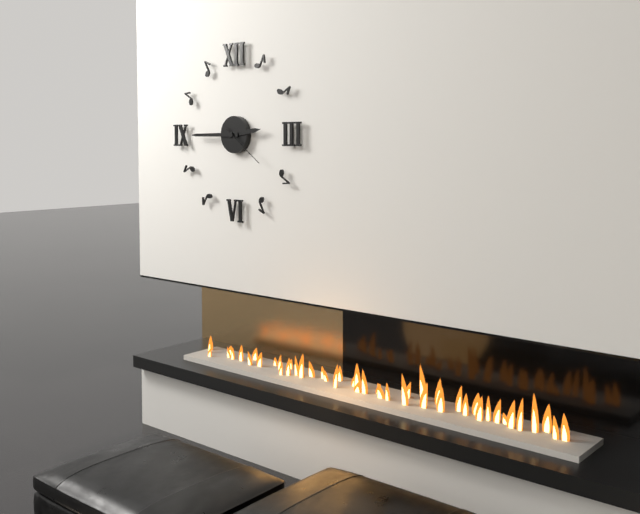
2:45
